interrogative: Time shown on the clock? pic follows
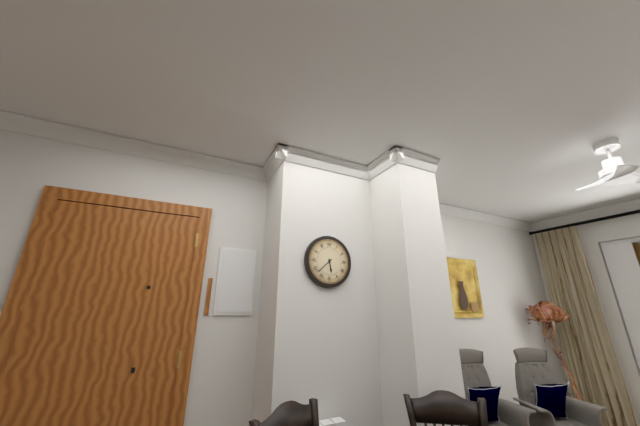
5:38
